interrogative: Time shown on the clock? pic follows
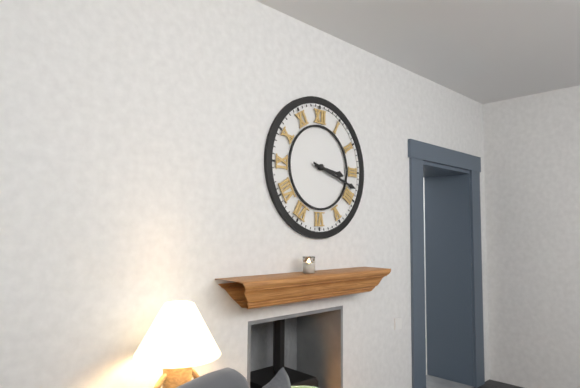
3:18
